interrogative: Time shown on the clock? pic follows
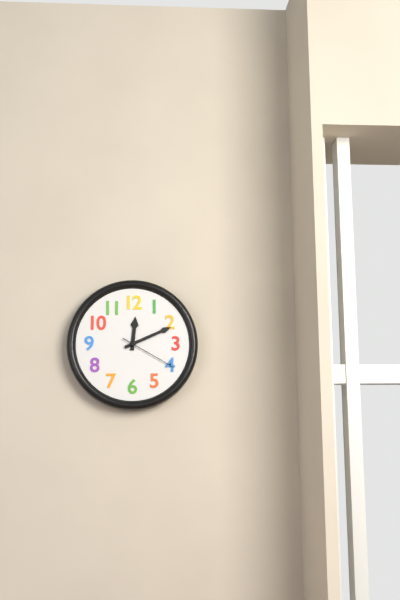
12:11:20
